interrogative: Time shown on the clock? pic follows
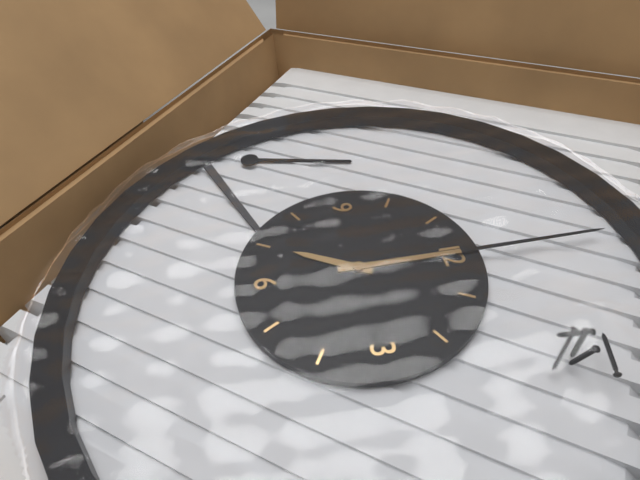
7:00
